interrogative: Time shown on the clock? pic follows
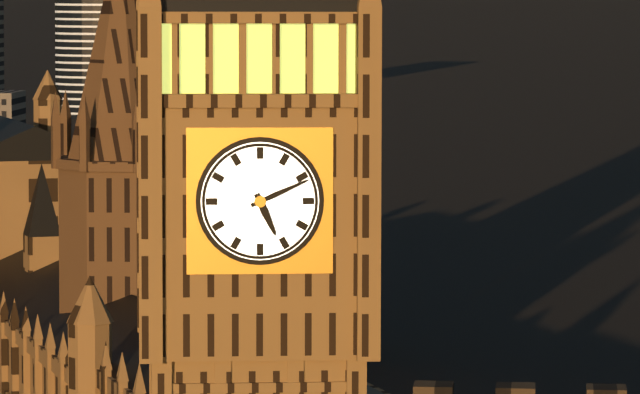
5:11
